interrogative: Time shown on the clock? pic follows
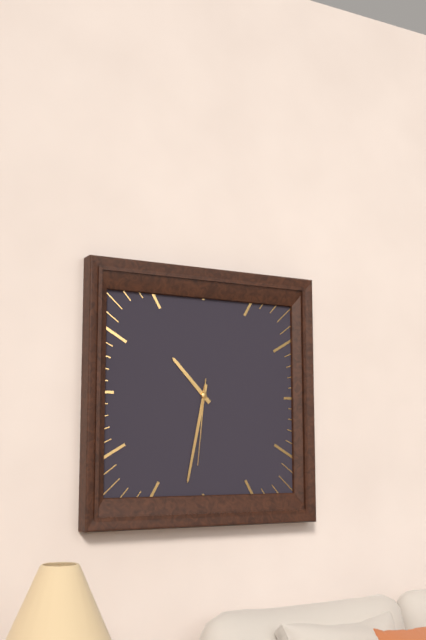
10:32:31
